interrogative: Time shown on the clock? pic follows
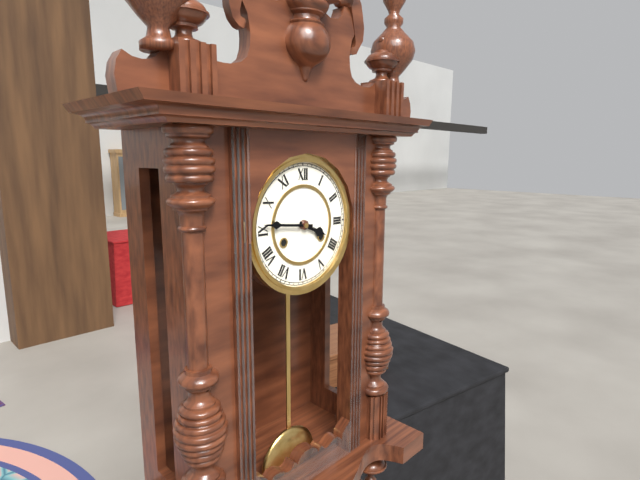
3:46
